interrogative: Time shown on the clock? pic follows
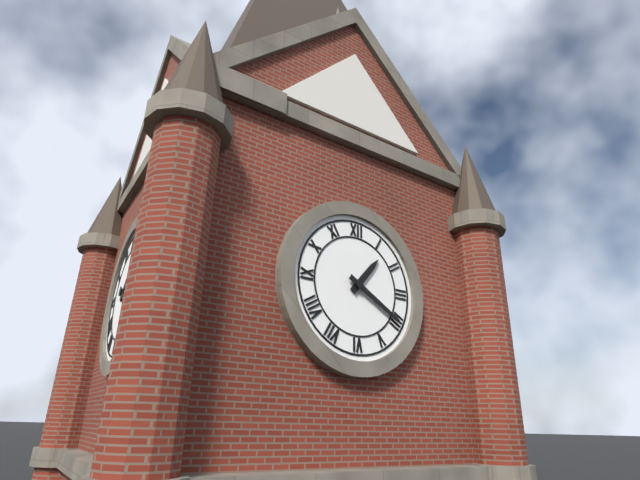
1:20
